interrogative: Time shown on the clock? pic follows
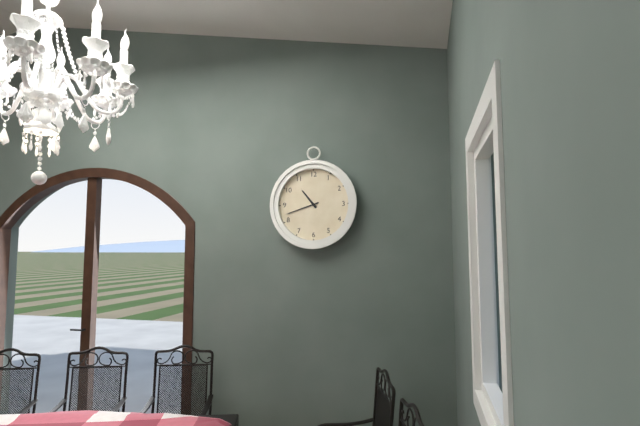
10:42
